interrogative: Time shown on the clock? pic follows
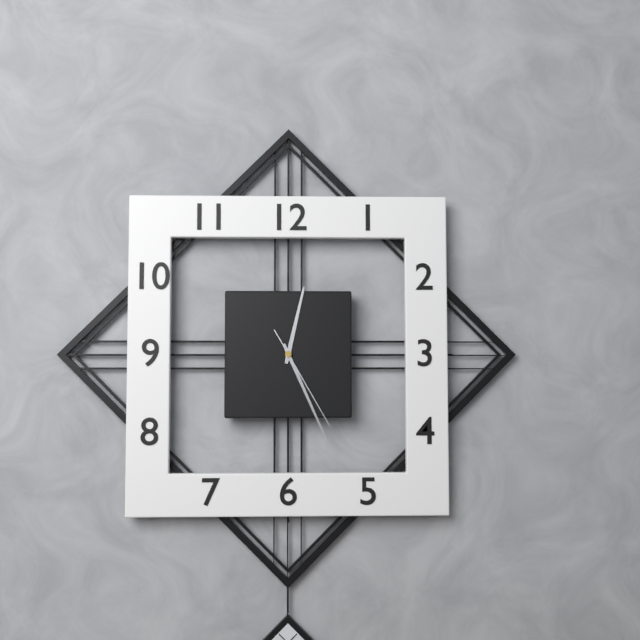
12:26:25
